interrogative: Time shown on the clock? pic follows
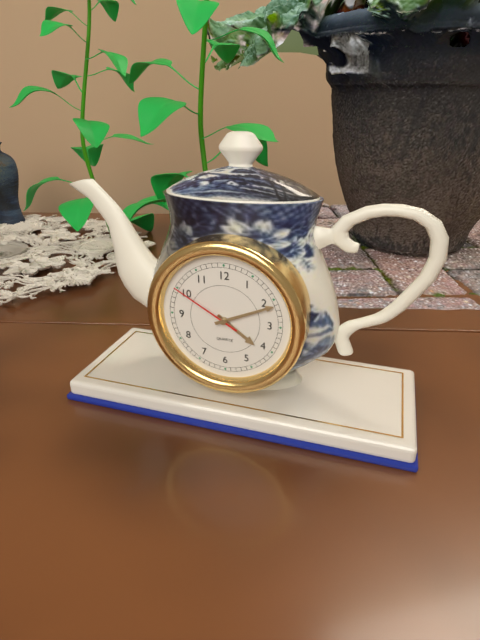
4:11:50
